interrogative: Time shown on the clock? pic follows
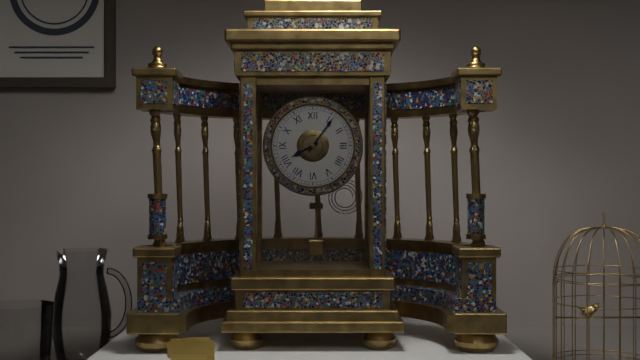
8:06
